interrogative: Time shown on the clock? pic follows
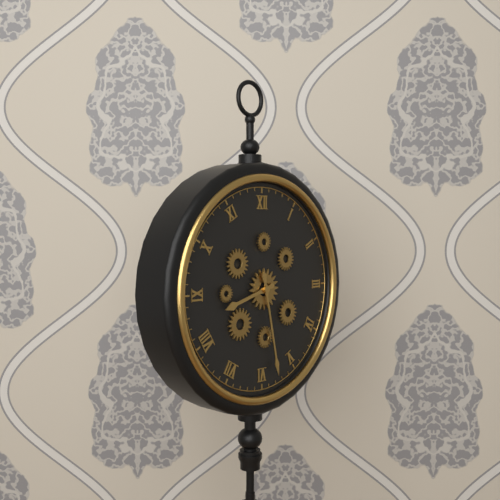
8:28
